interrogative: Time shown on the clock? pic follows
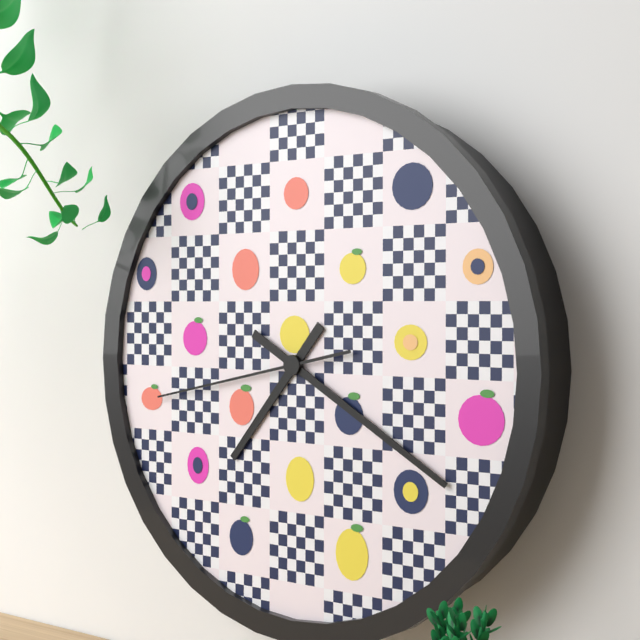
7:20:43
